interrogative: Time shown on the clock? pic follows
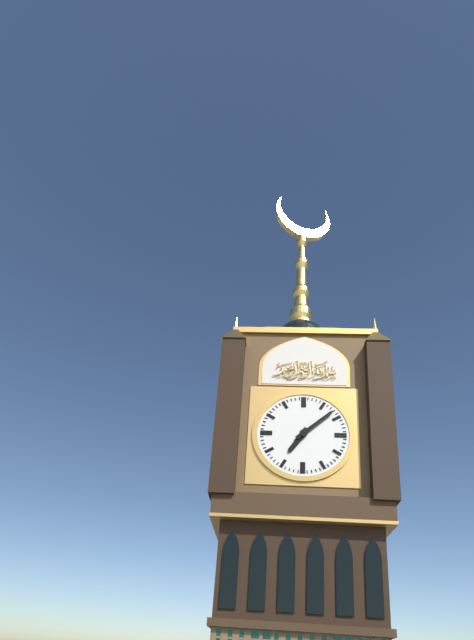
7:08
